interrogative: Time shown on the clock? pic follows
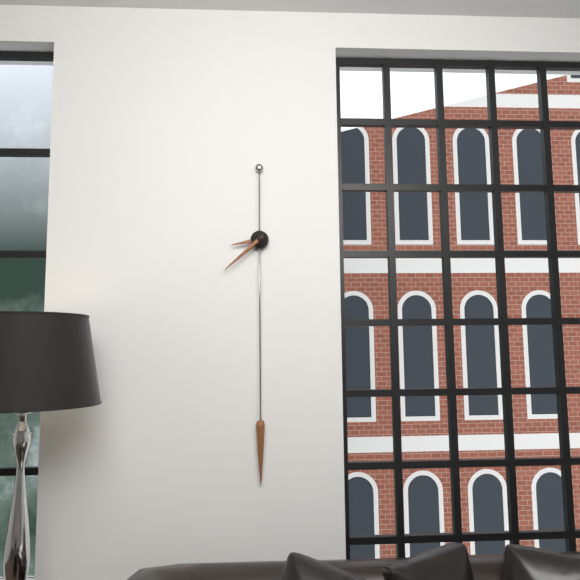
8:38
